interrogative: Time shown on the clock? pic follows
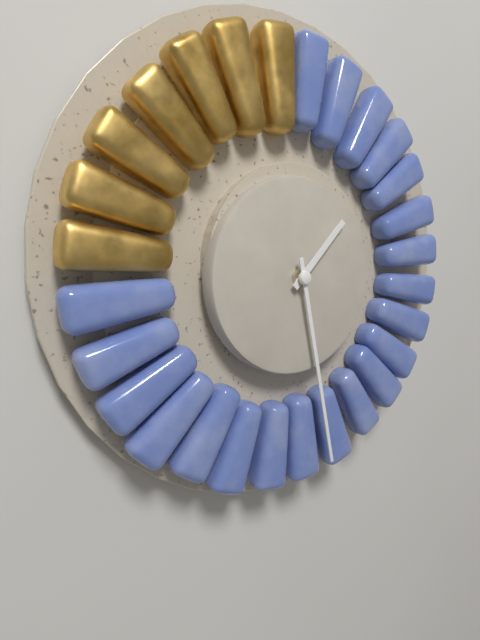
1:28
